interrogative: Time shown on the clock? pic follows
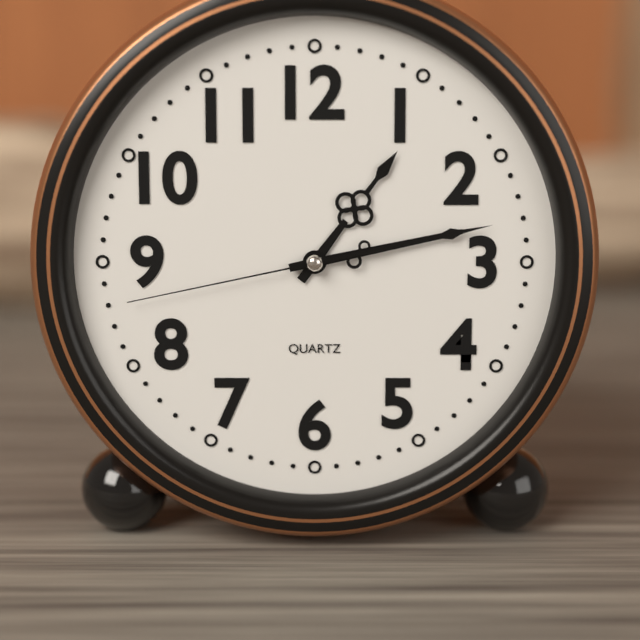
1:13:43
